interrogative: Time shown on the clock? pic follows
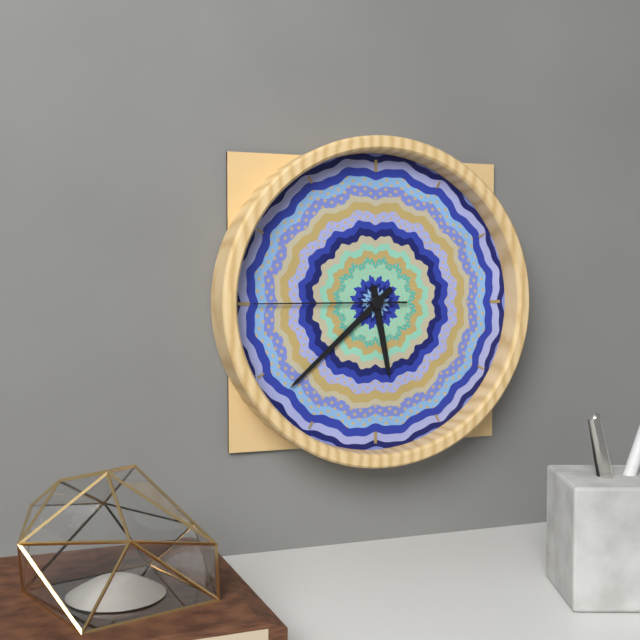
5:38:45
